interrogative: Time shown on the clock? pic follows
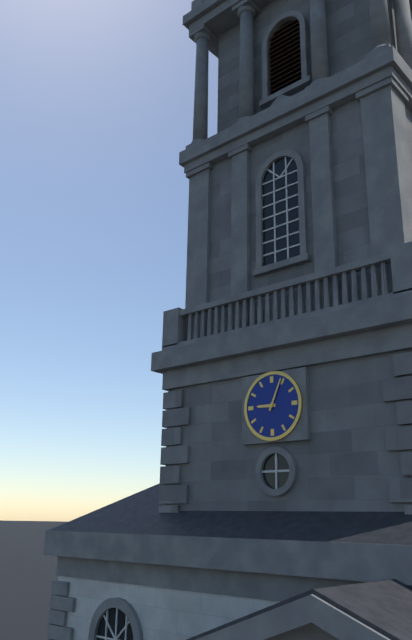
9:04
